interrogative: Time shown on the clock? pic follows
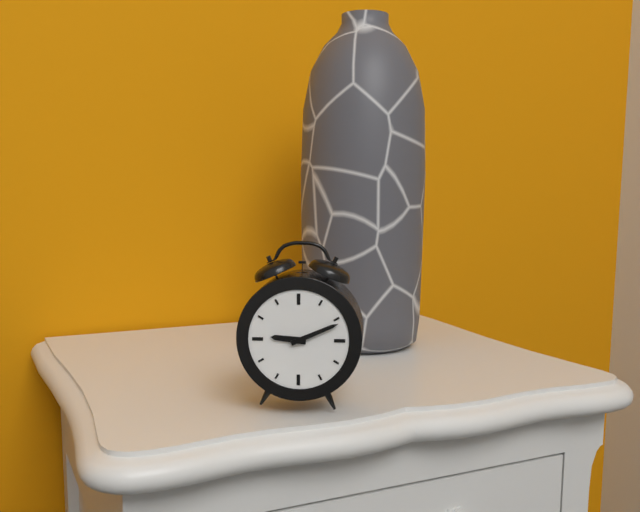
9:11
